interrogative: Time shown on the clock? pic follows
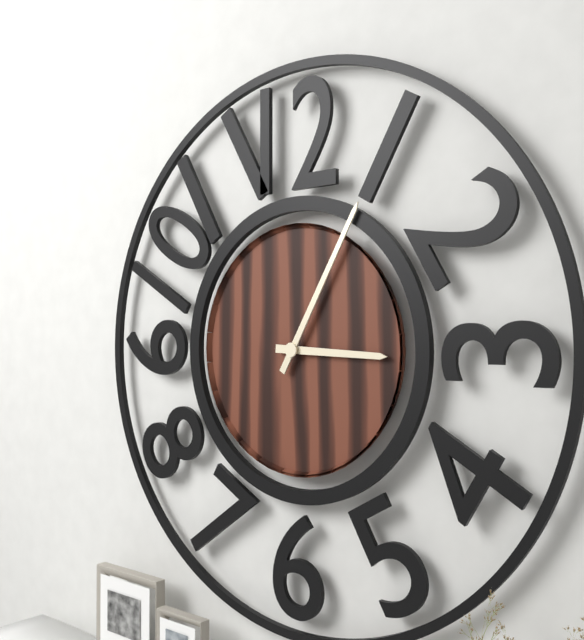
3:05
